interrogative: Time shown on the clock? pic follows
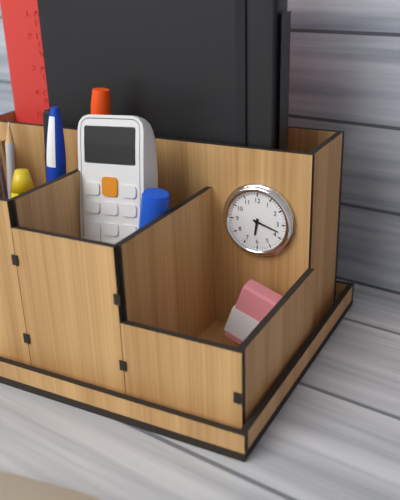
6:18
